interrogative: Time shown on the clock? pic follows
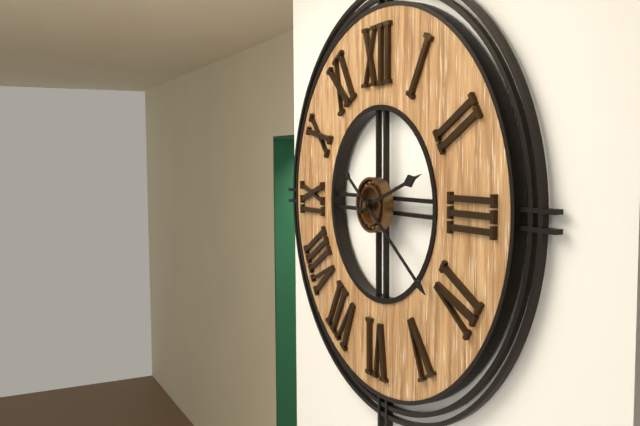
2:21
